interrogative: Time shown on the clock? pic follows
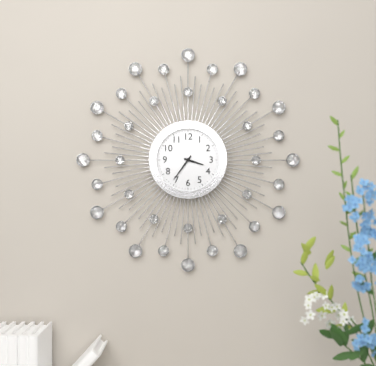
3:36
